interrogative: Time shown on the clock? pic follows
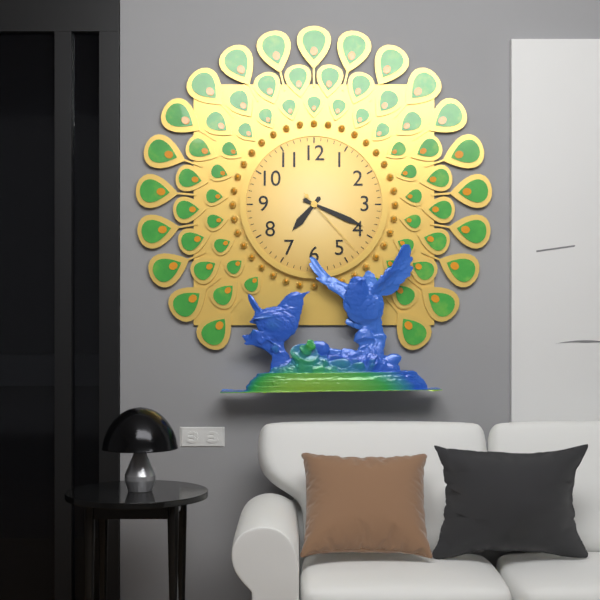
7:19:23
